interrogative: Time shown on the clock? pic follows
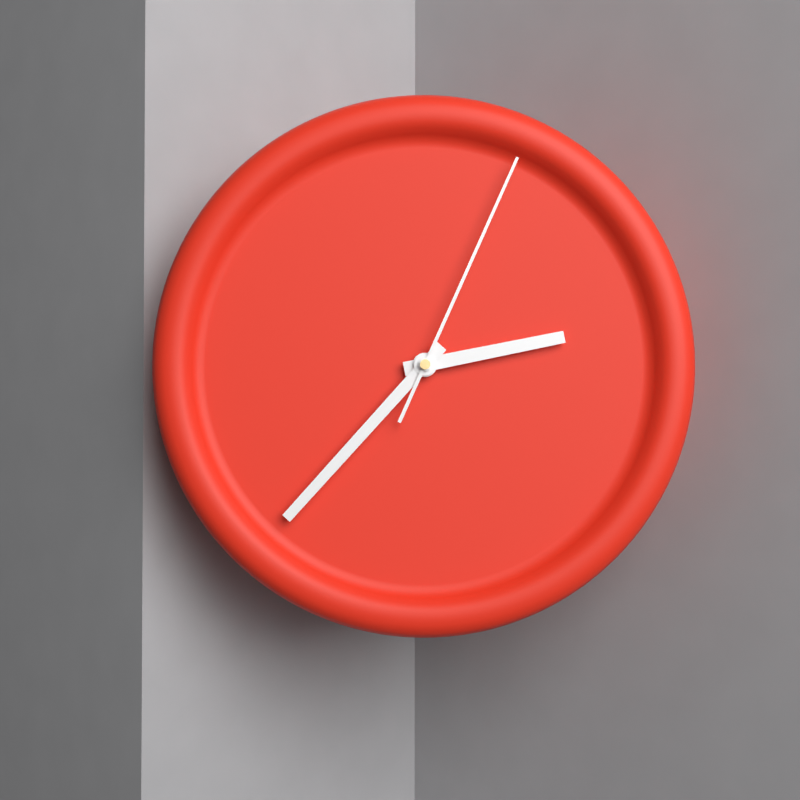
2:37:04
